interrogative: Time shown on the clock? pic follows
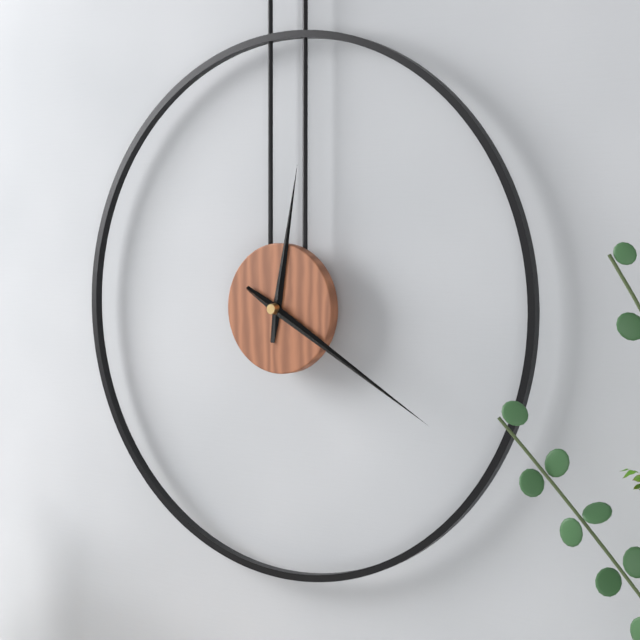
12:20
